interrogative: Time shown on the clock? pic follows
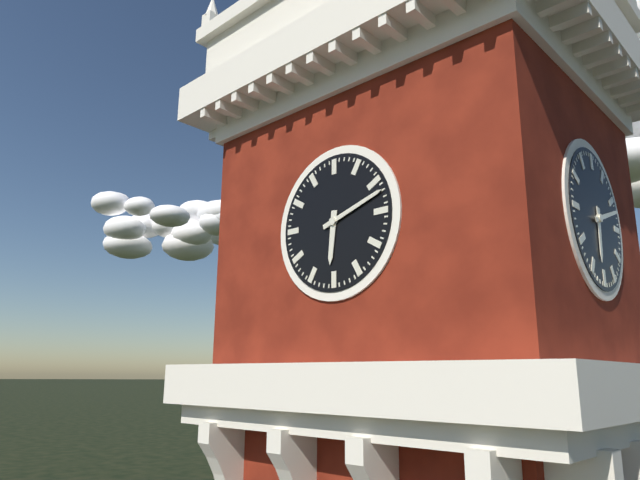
6:12
